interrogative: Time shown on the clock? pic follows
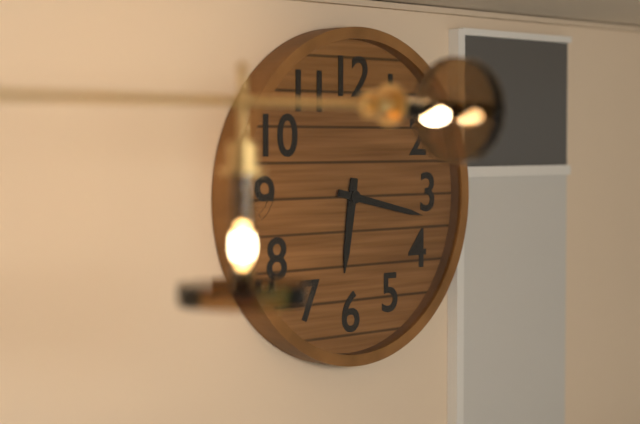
6:17
